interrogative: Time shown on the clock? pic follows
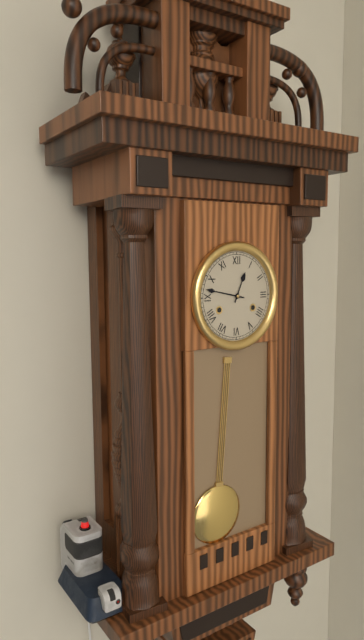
12:47
